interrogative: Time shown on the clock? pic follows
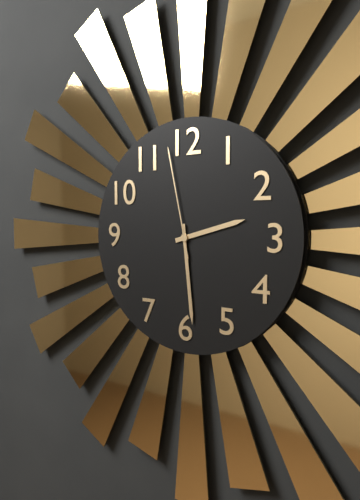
2:29:58
